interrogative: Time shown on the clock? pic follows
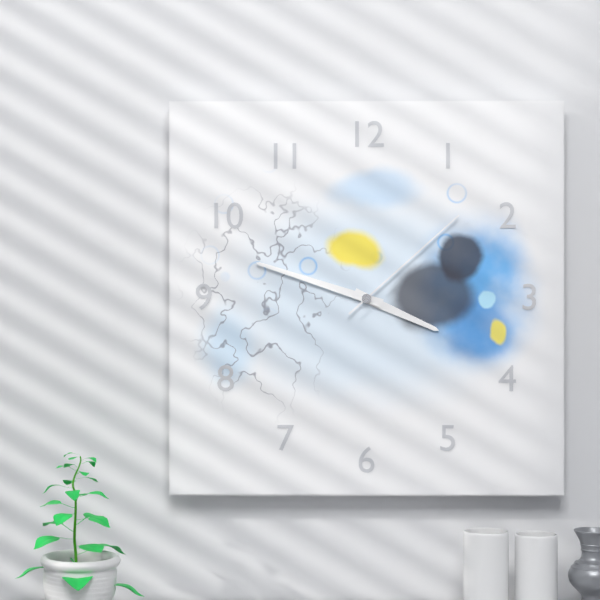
3:48:08
